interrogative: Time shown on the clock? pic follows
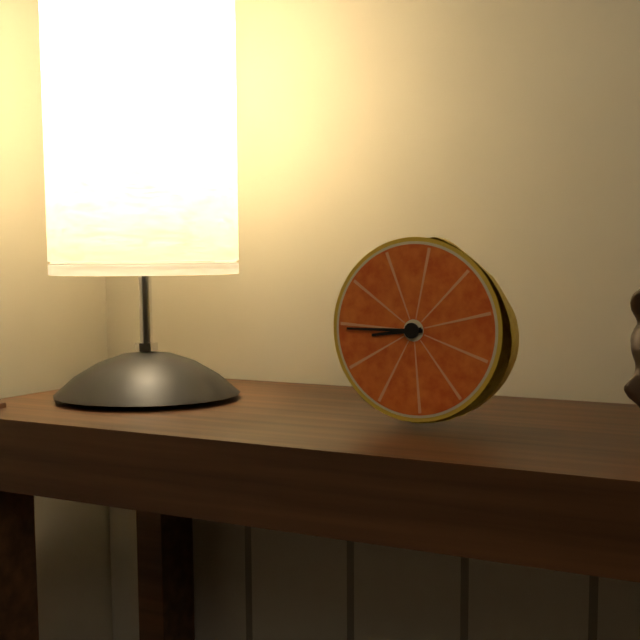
8:45
